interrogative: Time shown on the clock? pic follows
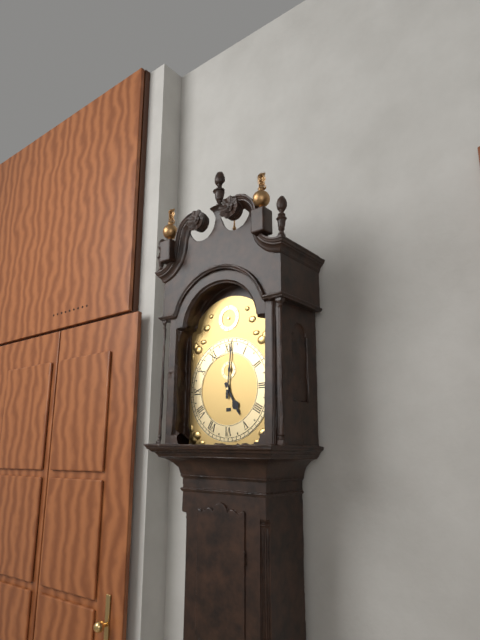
5:01
